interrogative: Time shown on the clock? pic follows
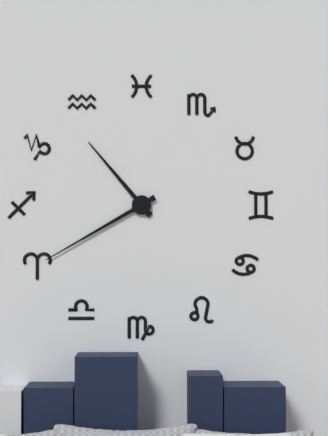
10:40
